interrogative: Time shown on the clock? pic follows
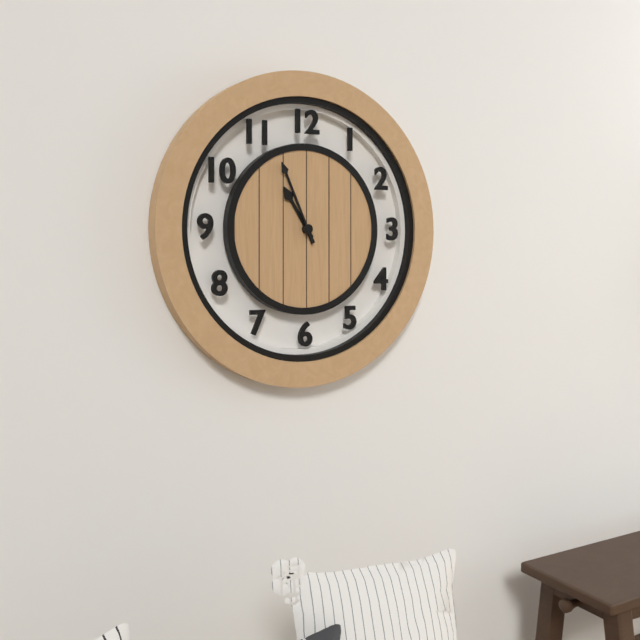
10:56
